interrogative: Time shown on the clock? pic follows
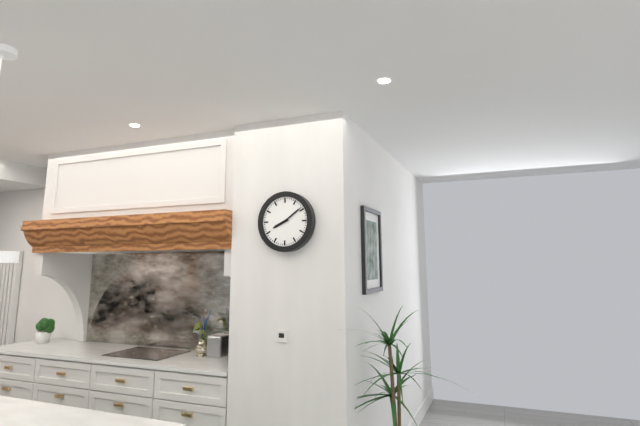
8:09
